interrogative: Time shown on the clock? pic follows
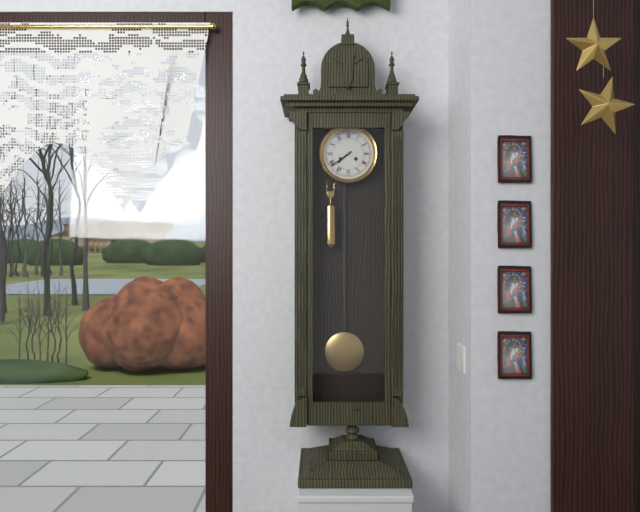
7:39
